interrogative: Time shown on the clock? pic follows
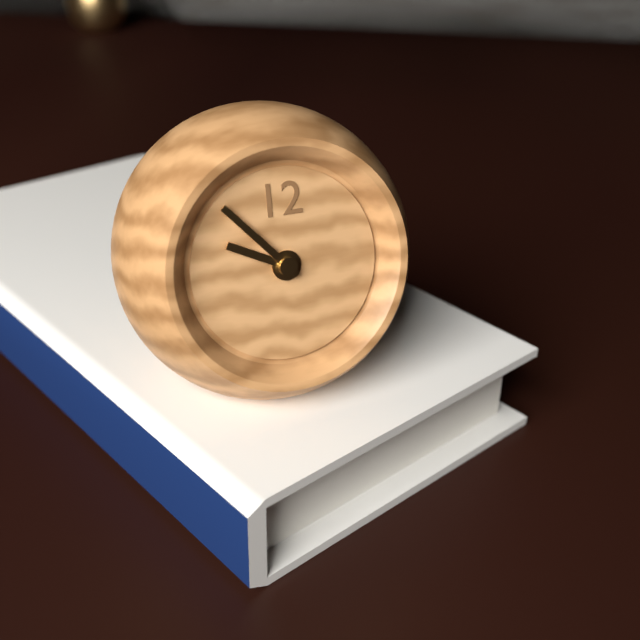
9:53
